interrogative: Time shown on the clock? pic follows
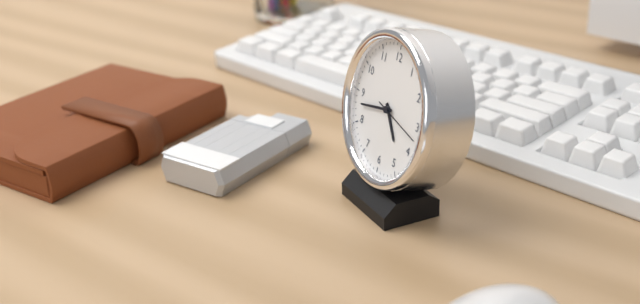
4:43
